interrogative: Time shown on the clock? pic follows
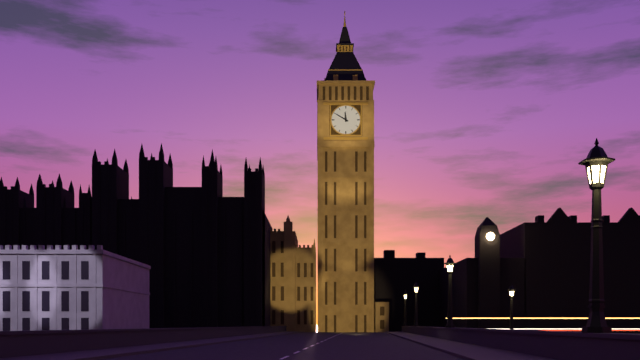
11:50
